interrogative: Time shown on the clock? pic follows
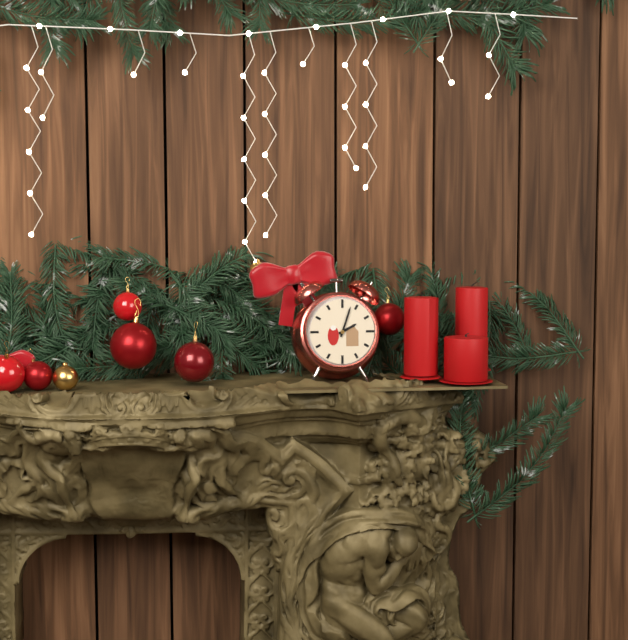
2:03
